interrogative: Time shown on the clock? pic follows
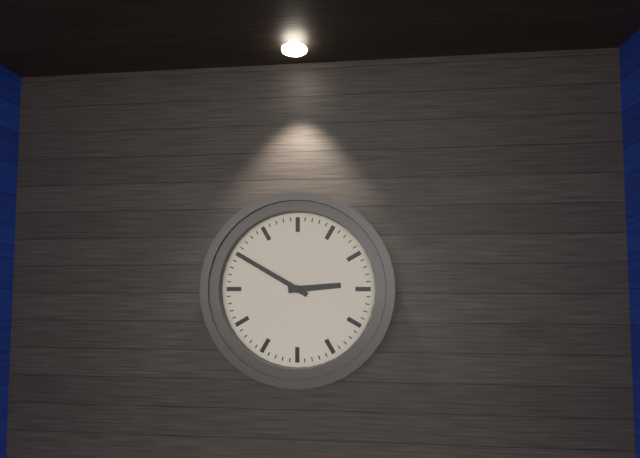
2:50
